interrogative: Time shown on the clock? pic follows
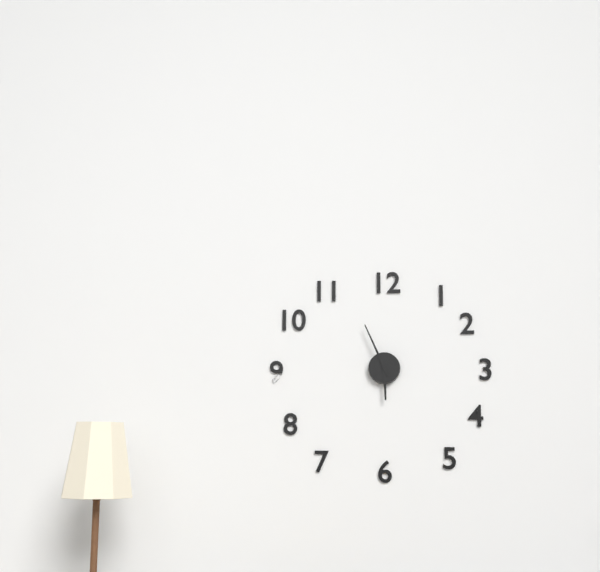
5:56
